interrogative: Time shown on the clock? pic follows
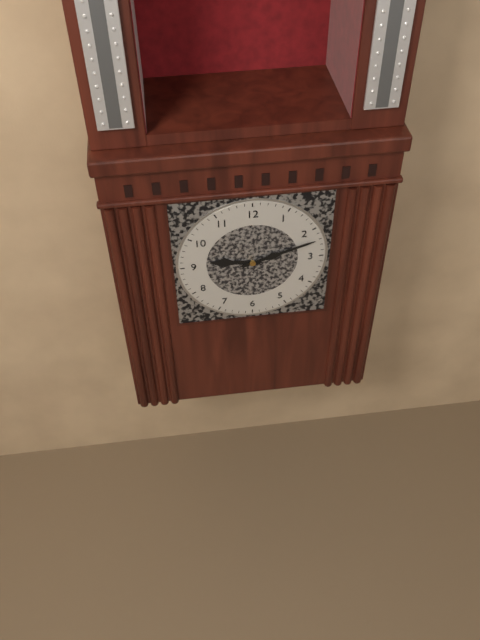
9:12
